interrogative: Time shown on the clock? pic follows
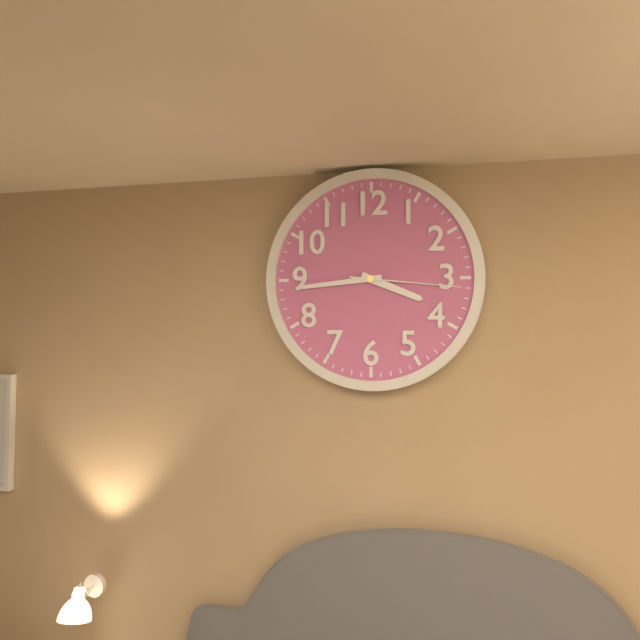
3:44:16
